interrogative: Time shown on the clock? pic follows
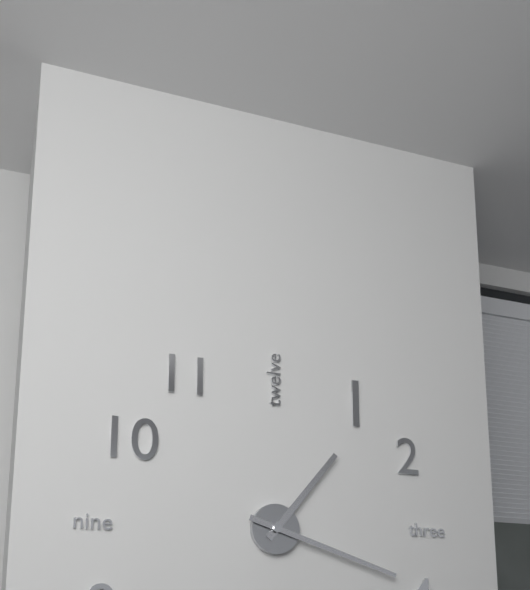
1:18
